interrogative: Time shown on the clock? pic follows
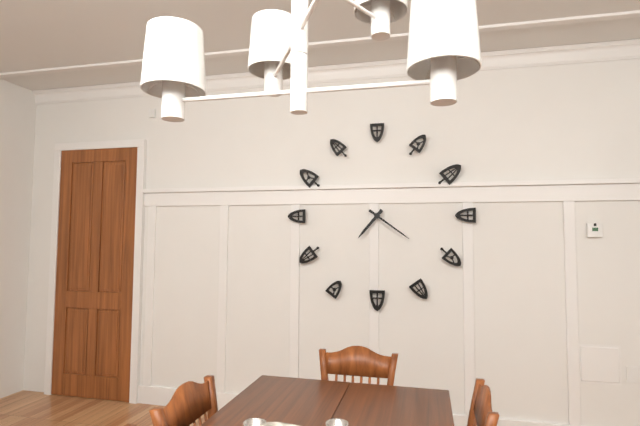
7:21
